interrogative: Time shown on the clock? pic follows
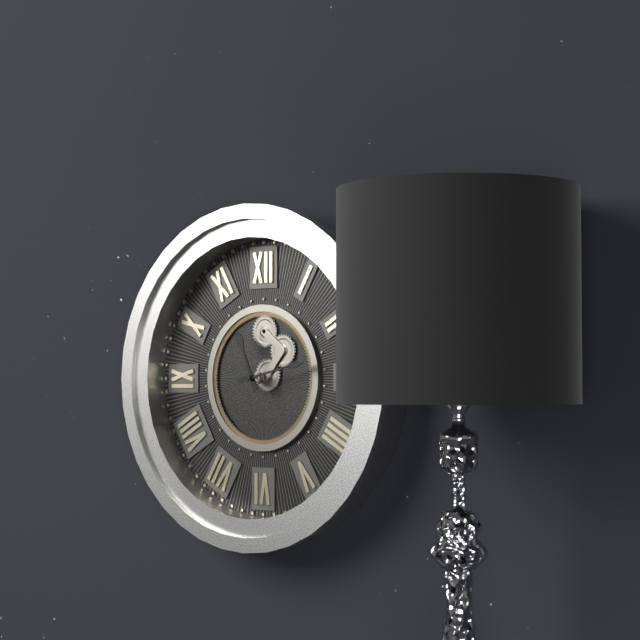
11:13
